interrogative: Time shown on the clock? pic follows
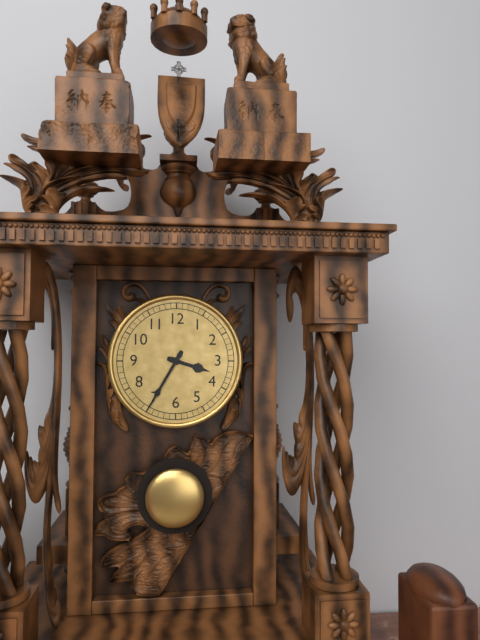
3:35
